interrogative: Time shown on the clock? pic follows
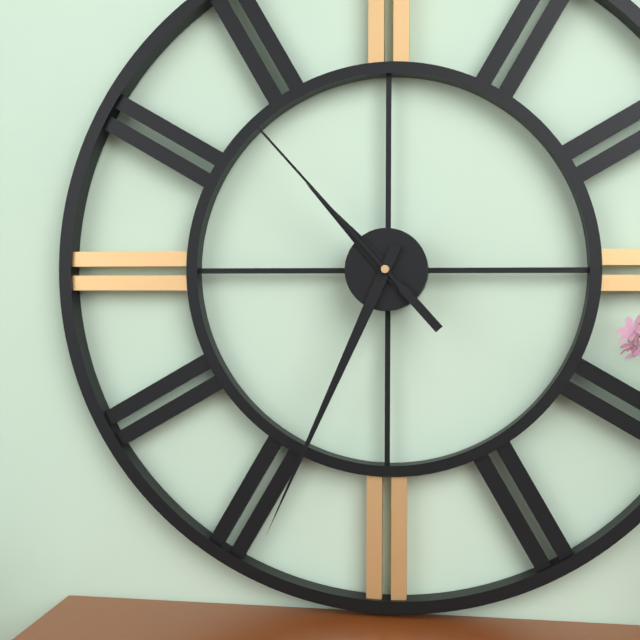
10:34:53
